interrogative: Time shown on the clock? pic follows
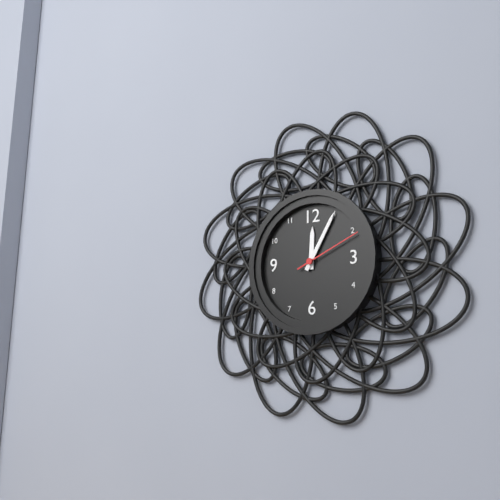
12:05:11
